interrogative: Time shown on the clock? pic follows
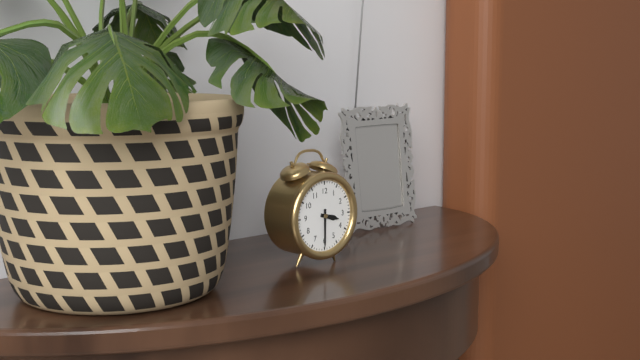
3:30
